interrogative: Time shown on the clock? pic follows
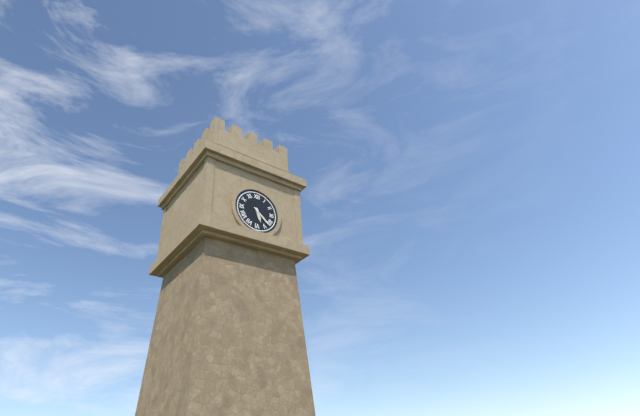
5:22
